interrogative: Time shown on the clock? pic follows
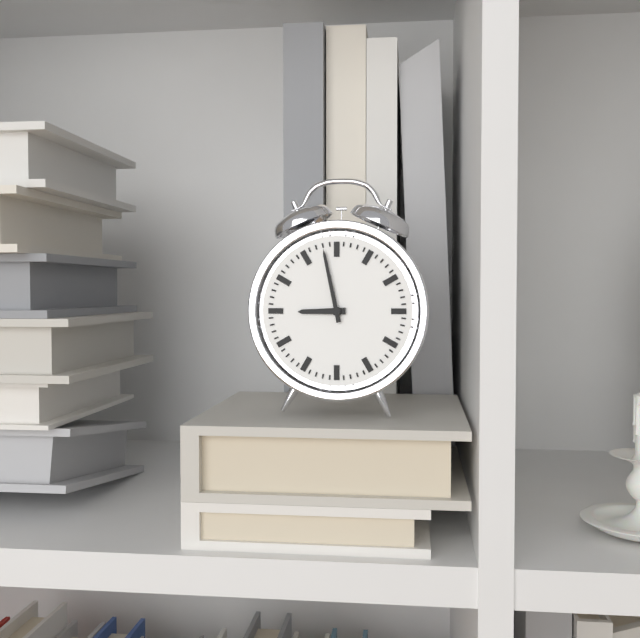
8:58
